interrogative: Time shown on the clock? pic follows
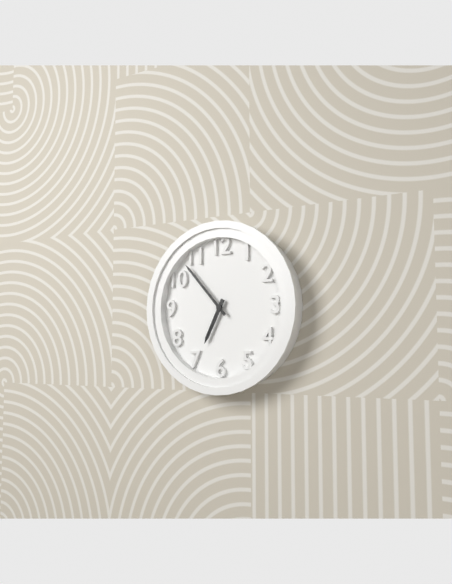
6:53
